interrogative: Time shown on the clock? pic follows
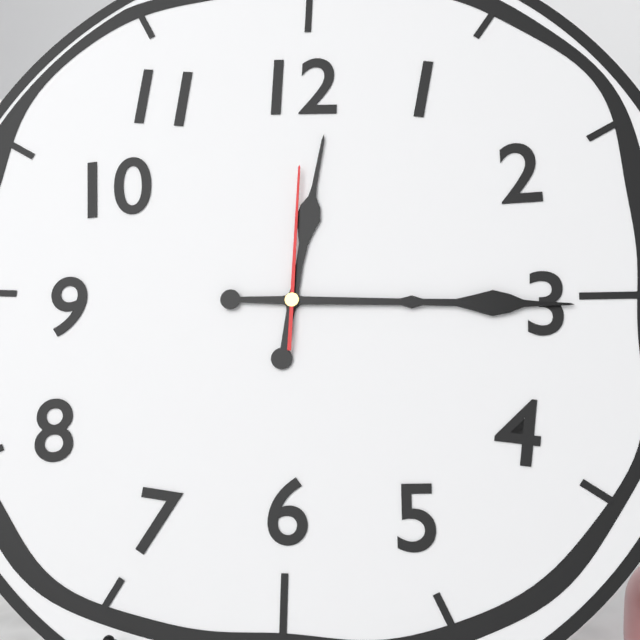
12:15:00
